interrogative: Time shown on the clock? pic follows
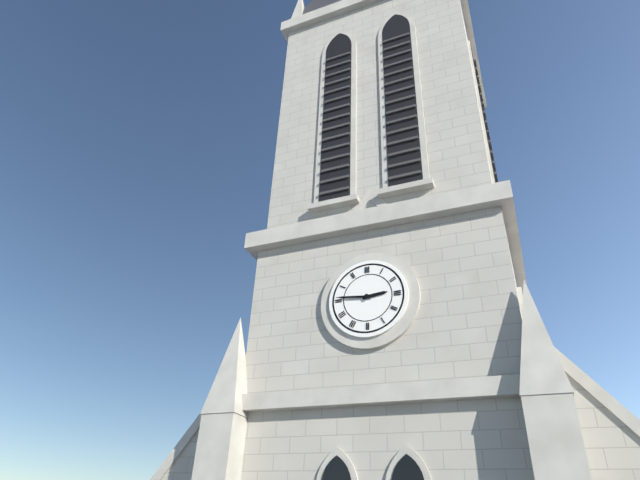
2:46
